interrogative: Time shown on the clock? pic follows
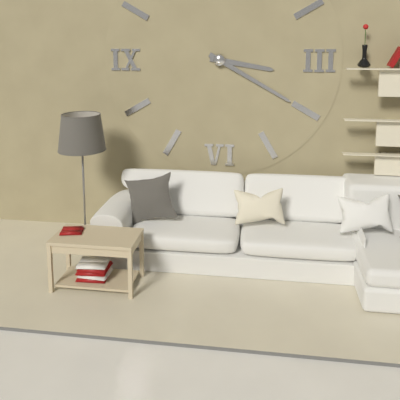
3:20
